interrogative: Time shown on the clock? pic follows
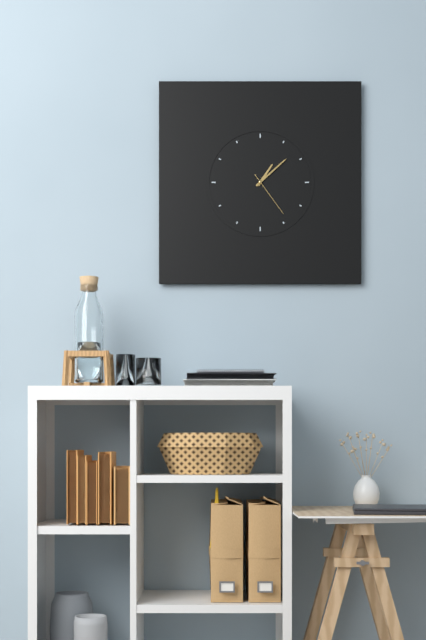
1:08:24
